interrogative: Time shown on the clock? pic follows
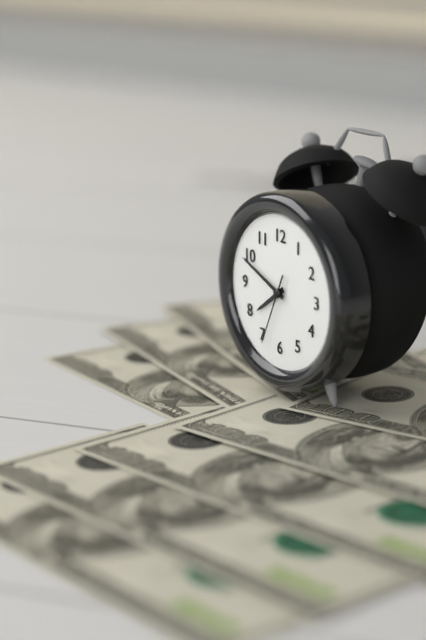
7:49:34
